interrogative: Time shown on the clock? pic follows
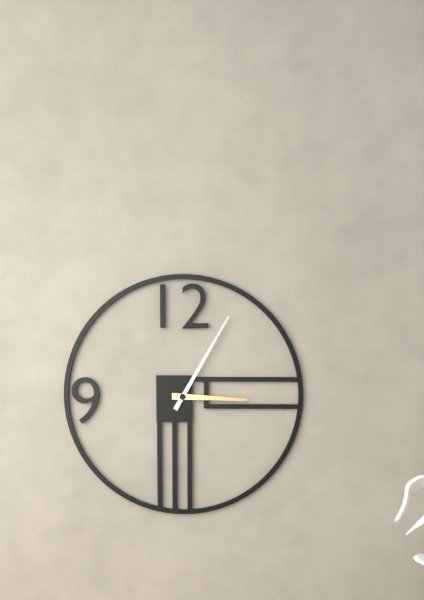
3:05
